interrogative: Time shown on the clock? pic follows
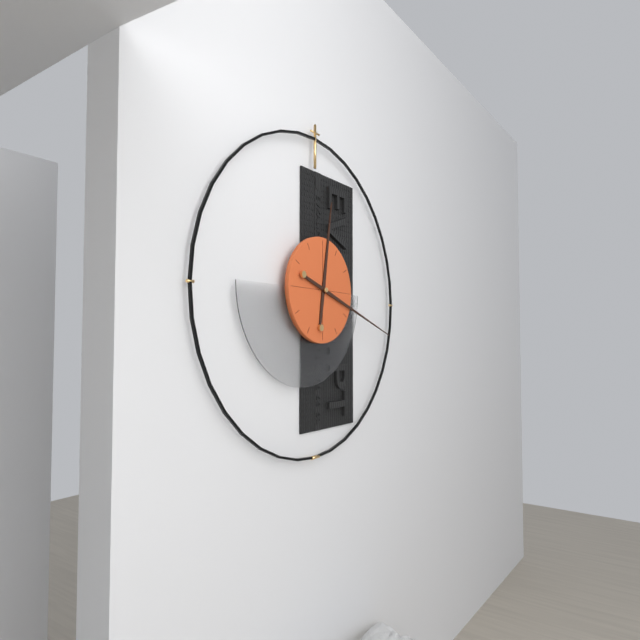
12:18
